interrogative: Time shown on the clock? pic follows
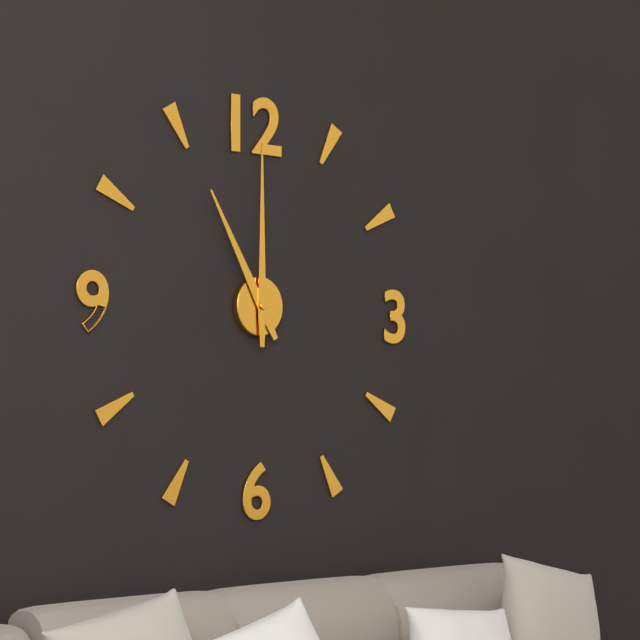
11:00
